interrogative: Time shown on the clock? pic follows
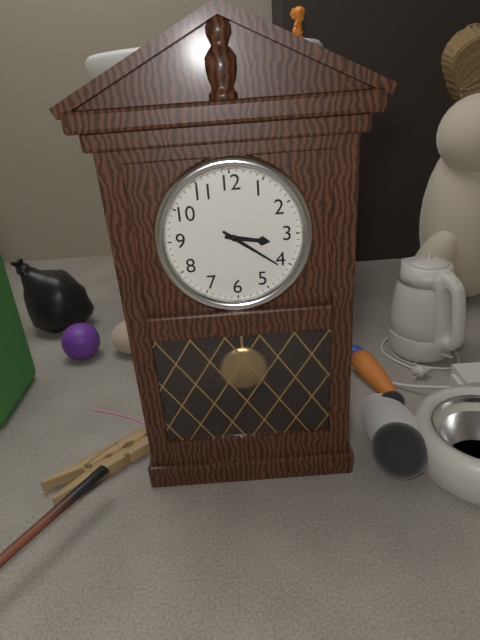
3:21
